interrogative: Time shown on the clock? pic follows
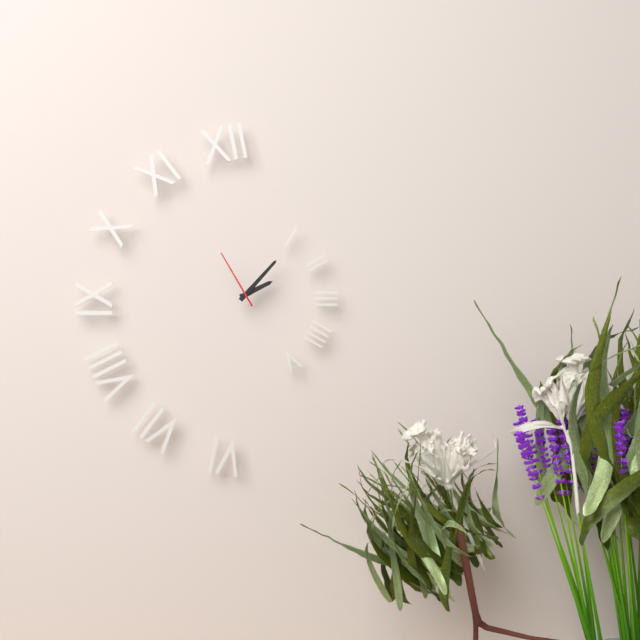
2:07:55
